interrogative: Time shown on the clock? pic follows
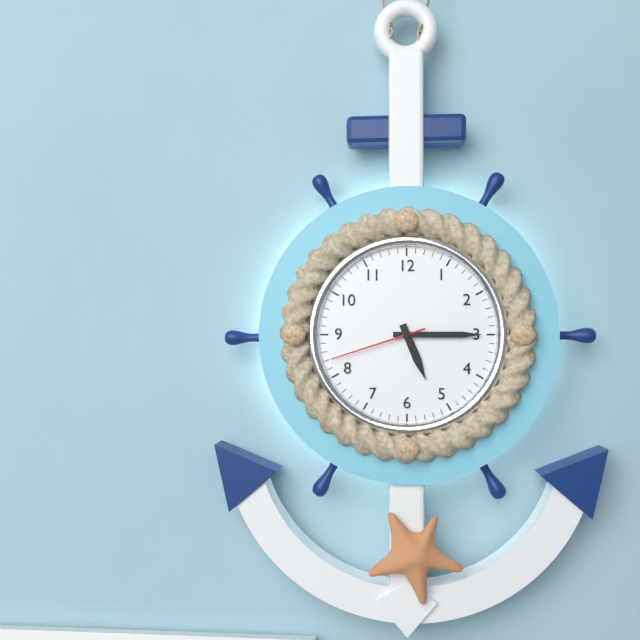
5:15:42
